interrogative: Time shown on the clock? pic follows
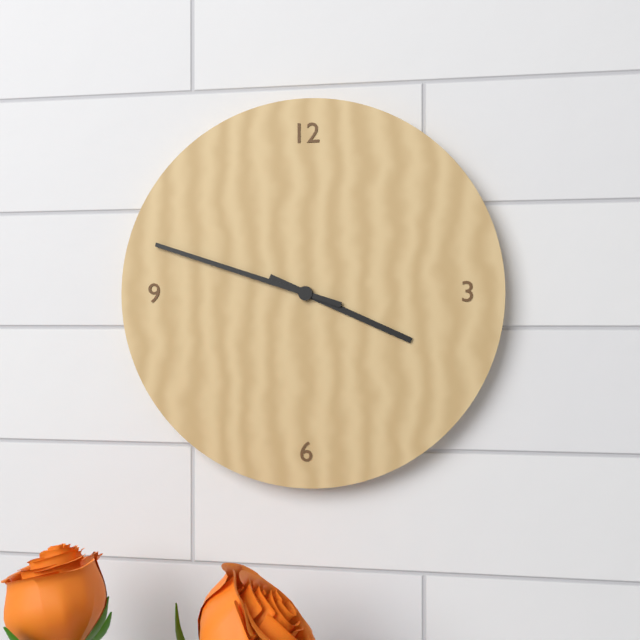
3:48
